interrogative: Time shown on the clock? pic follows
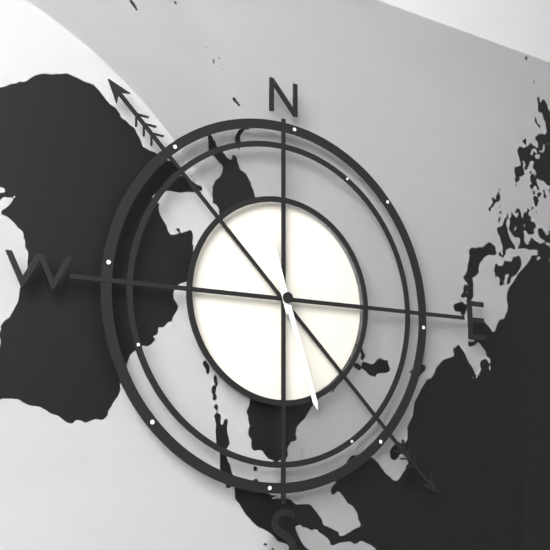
11:27
